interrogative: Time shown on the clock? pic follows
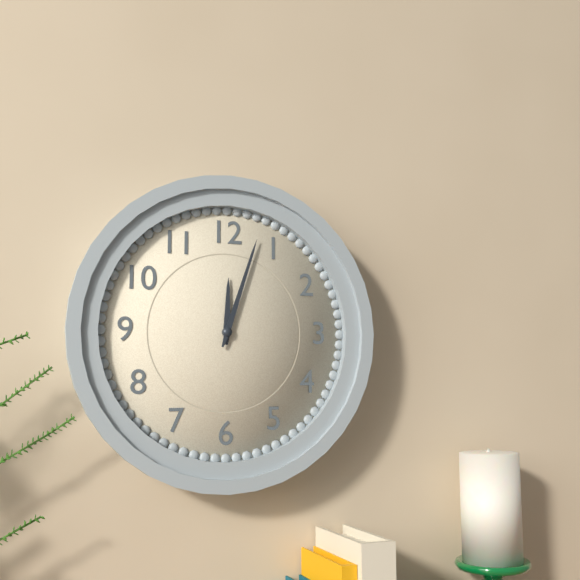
12:03
